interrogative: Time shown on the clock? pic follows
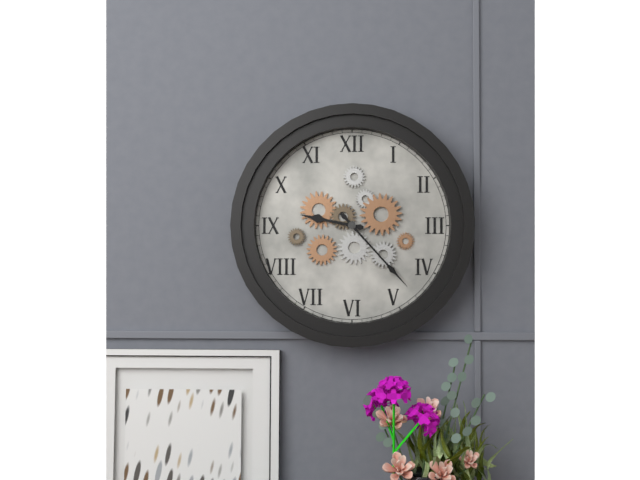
9:23
